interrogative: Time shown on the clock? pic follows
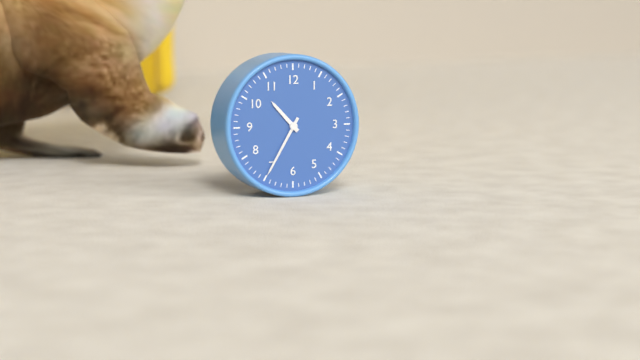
10:35
